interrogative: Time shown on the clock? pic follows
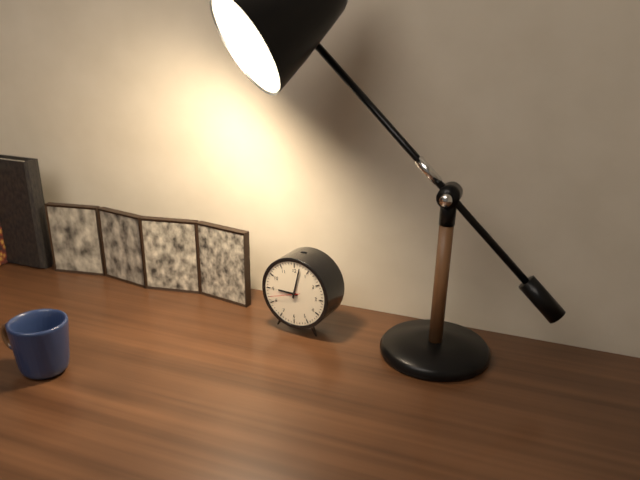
9:02
